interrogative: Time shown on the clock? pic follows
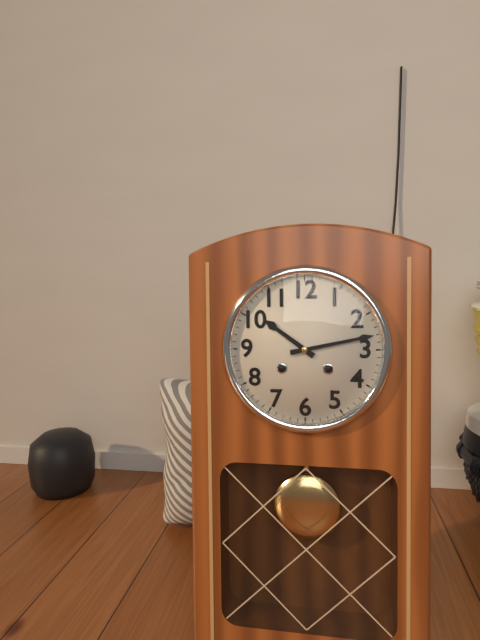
10:13
